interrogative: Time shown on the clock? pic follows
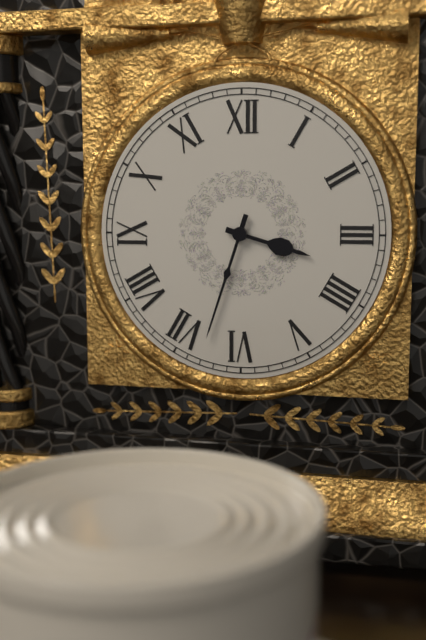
3:33
